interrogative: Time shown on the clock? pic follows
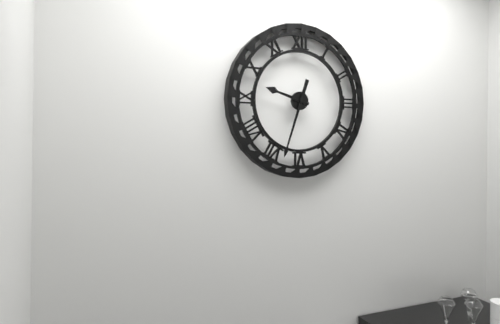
9:33
